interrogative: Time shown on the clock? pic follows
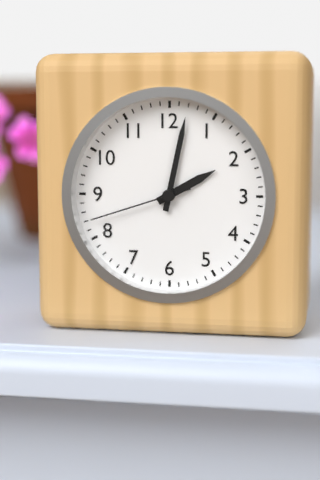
2:02:42
